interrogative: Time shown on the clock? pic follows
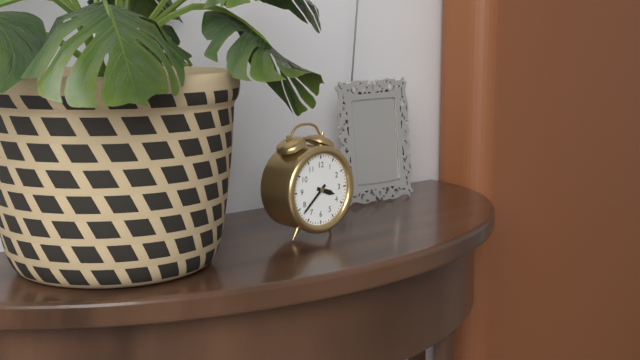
3:38
